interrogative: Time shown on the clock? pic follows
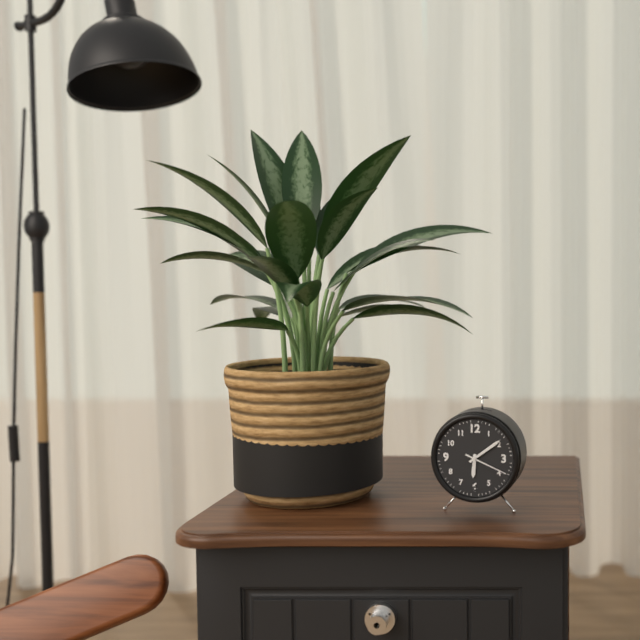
6:09
